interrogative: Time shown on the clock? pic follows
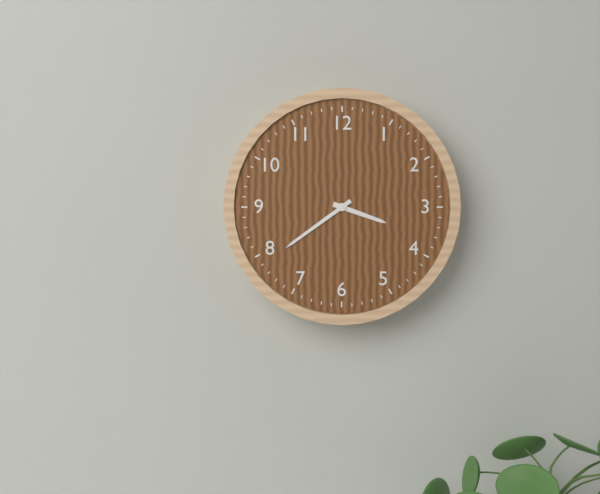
3:39
